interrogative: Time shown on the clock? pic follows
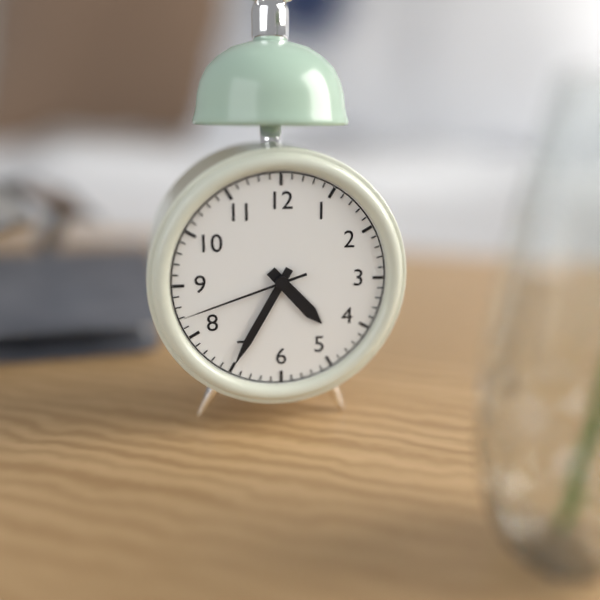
4:35:42
